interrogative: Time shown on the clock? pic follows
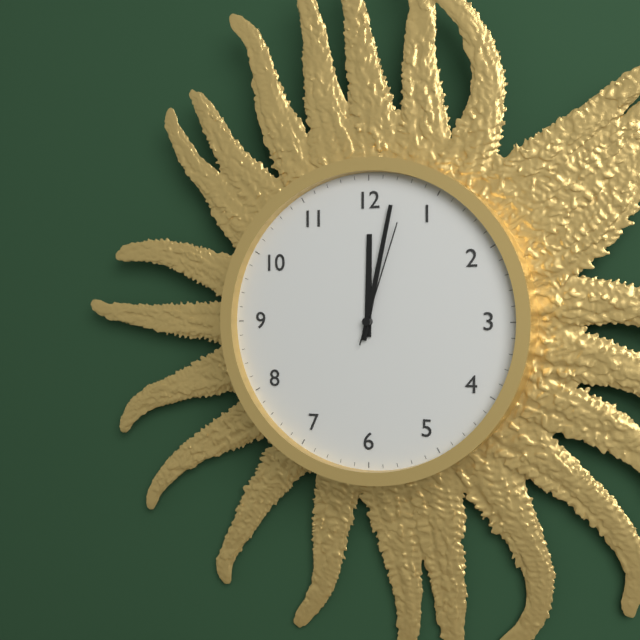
12:02:03
